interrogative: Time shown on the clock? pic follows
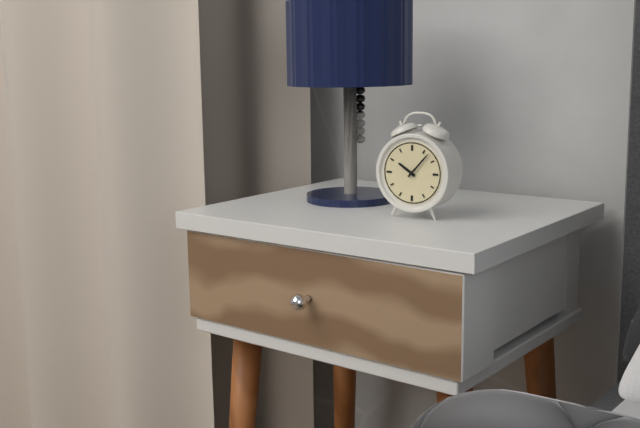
10:07
